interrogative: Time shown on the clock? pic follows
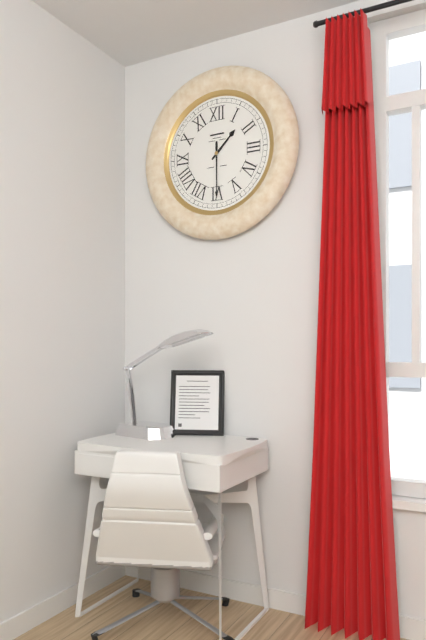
1:30
